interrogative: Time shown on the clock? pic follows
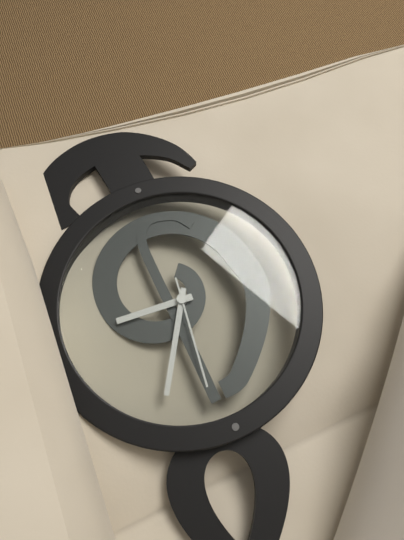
3:05:01
